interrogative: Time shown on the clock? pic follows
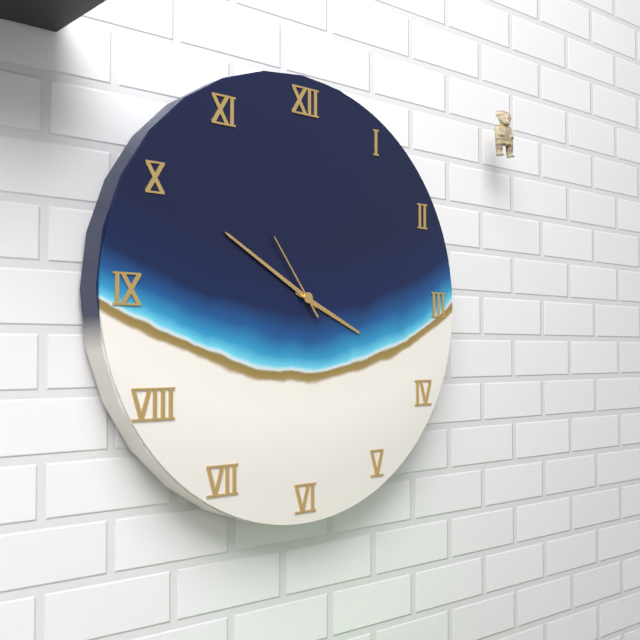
3:50:54
